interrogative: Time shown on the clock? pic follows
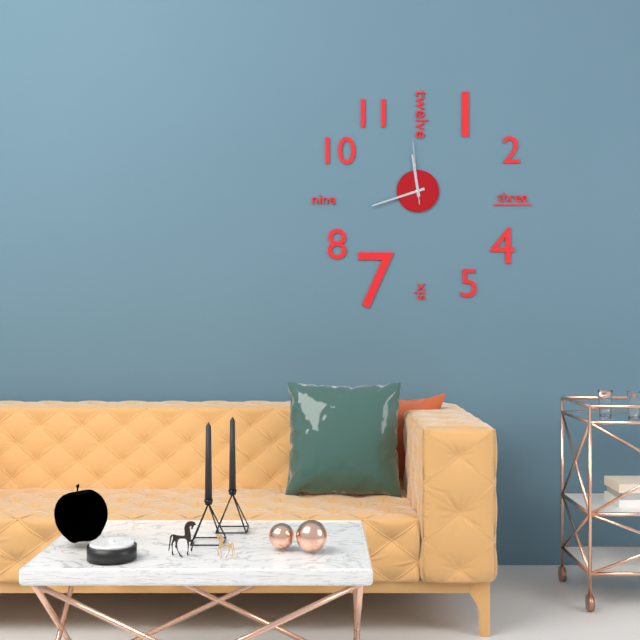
11:42:59
